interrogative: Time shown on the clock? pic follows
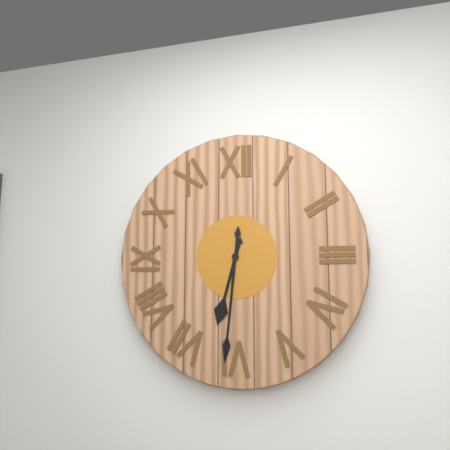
6:31
